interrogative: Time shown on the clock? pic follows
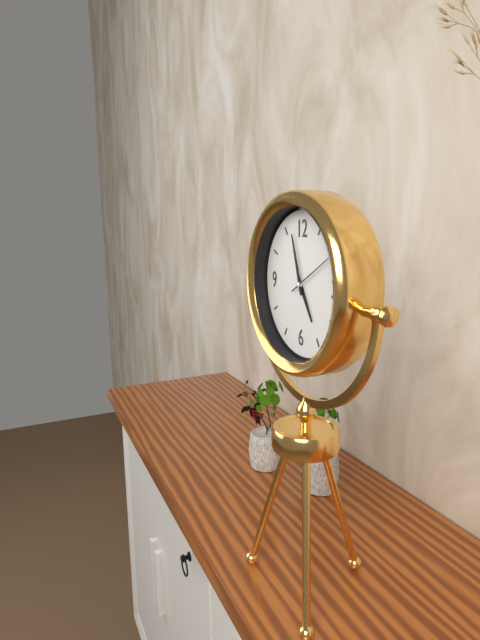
4:57:10
